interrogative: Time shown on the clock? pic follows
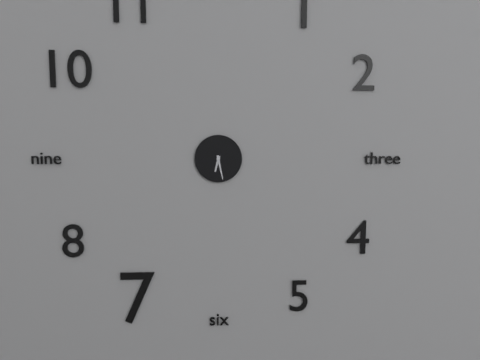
6:28
